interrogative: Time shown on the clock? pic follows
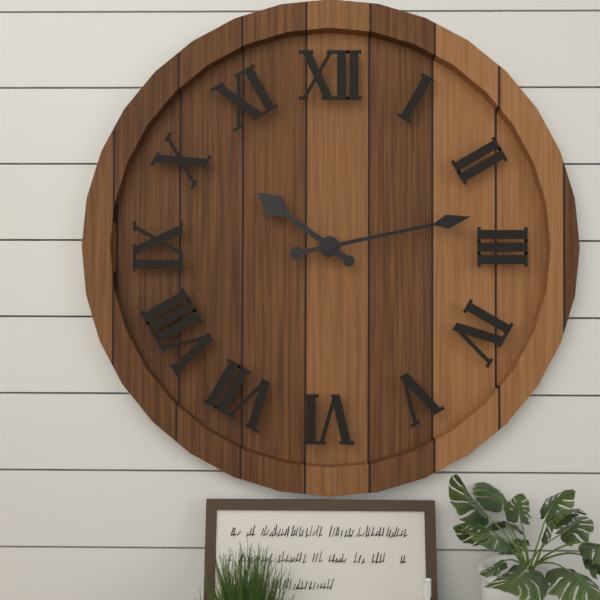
10:13
